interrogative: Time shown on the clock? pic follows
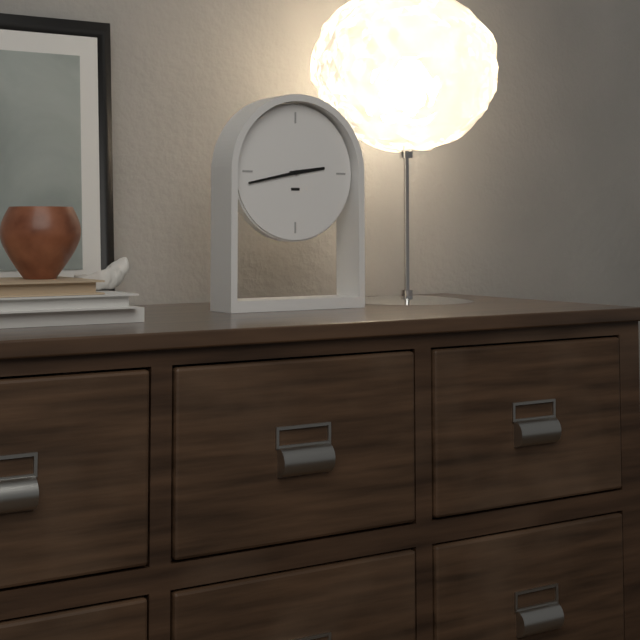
2:43
